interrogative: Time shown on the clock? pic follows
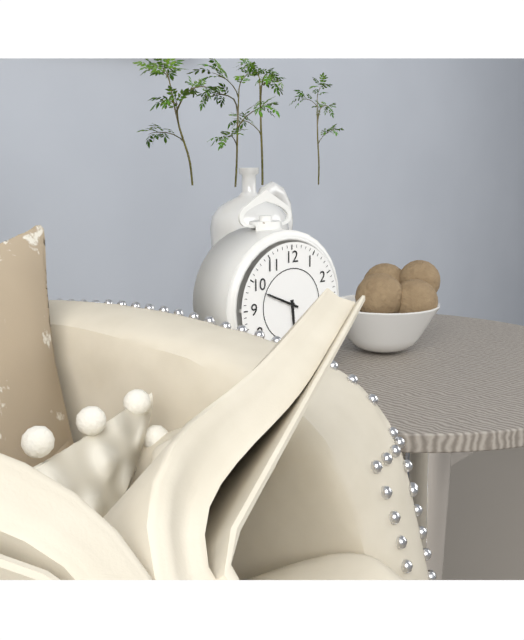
5:49
